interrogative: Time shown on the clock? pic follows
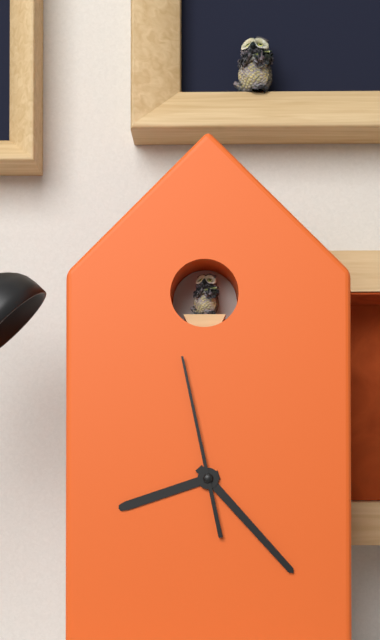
8:23:58
